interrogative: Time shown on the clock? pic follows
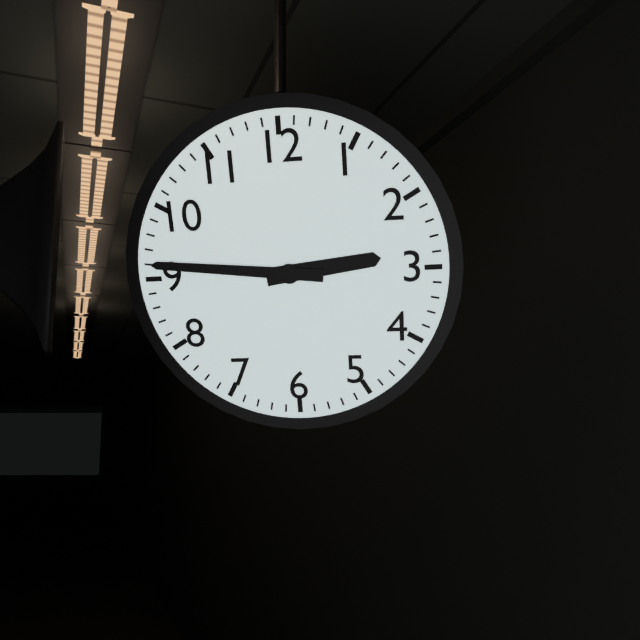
2:46
